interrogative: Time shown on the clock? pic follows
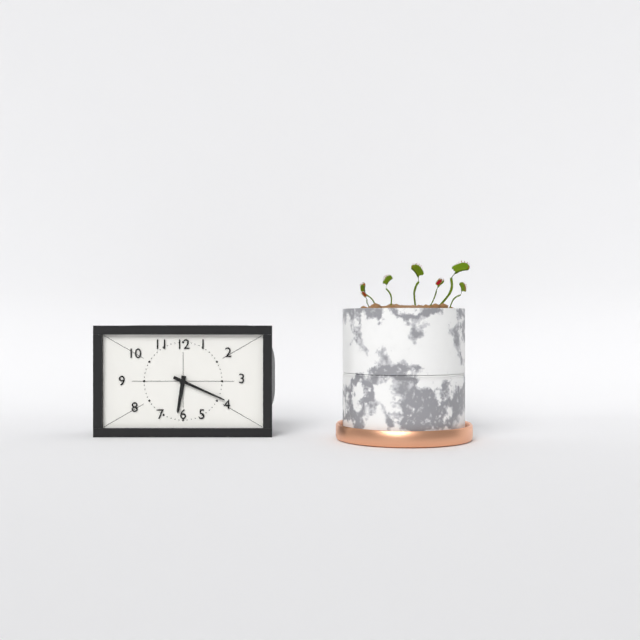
6:19
